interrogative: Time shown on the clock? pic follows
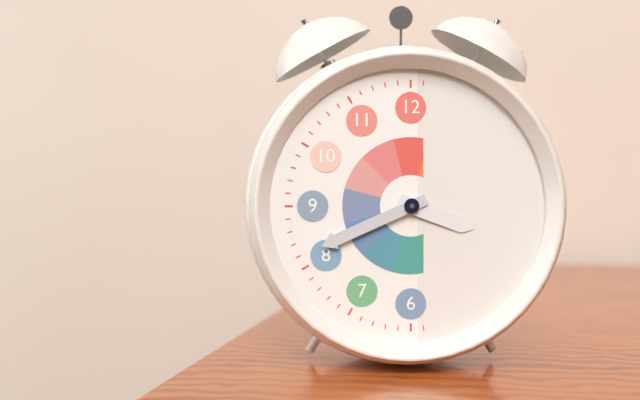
3:41
